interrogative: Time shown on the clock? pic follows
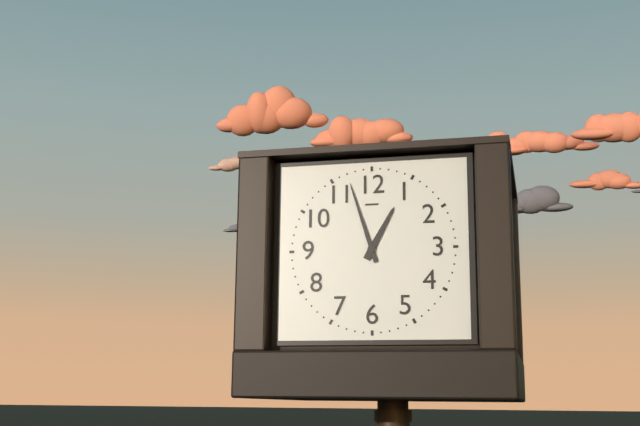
12:57
